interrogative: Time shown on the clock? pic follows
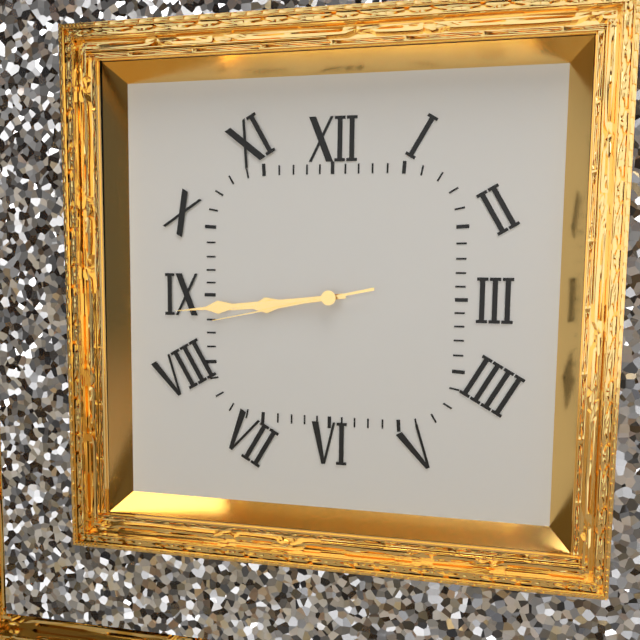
8:44:43
